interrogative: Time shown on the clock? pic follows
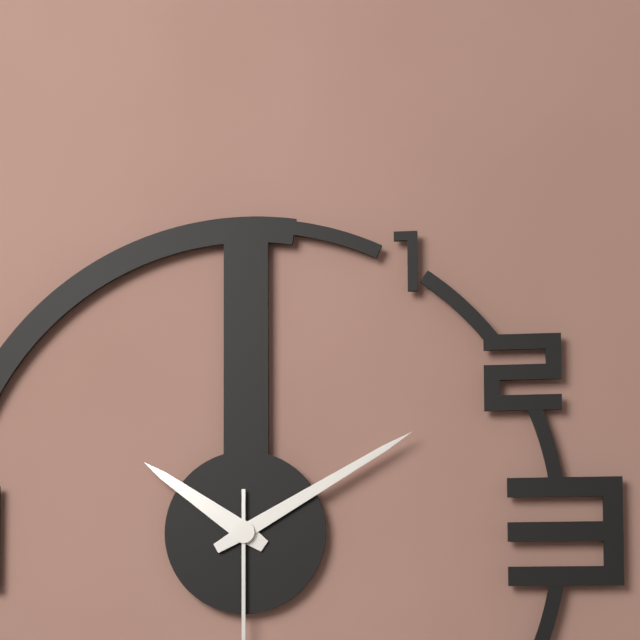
10:10
